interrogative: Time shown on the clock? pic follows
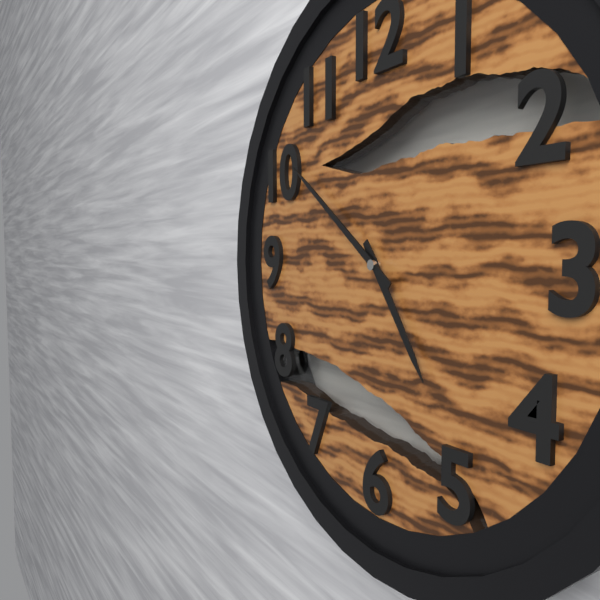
4:51
